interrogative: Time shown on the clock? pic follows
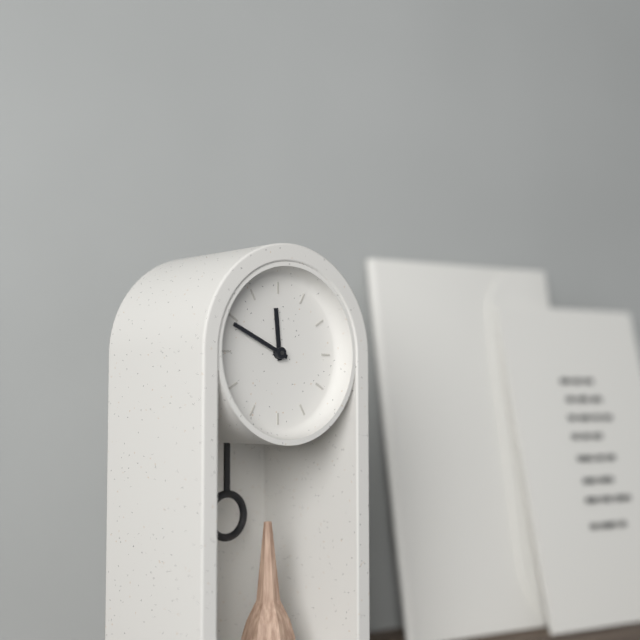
11:49
